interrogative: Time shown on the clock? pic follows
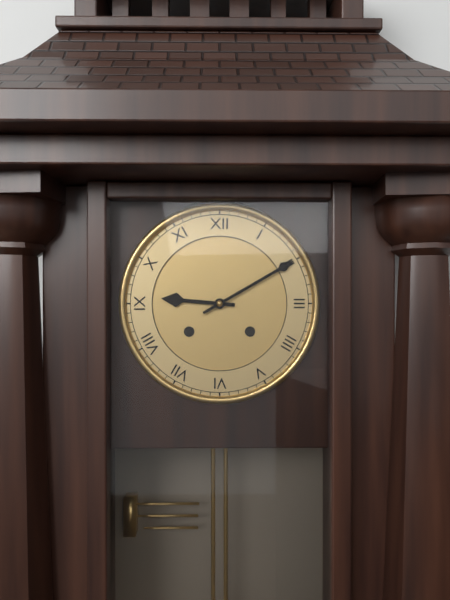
9:10
